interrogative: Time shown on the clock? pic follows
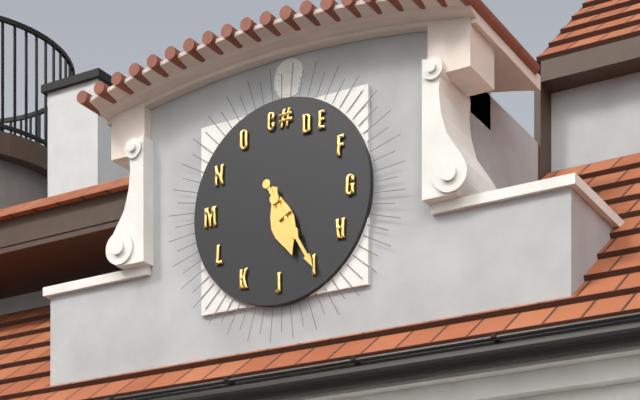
5:25
